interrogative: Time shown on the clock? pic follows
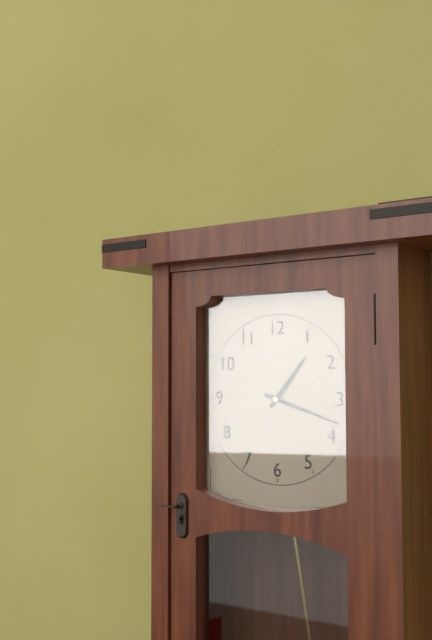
1:18
